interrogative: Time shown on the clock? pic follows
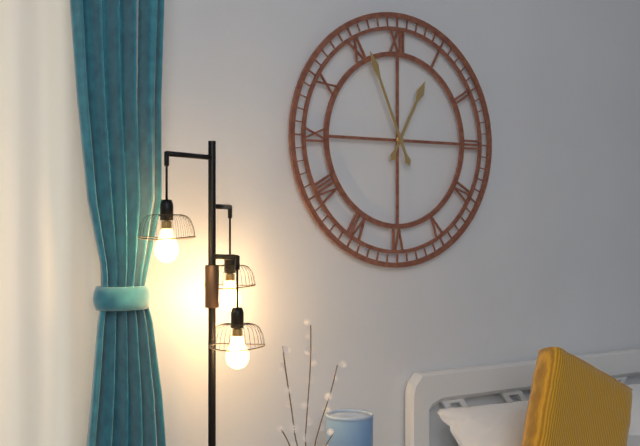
12:56
